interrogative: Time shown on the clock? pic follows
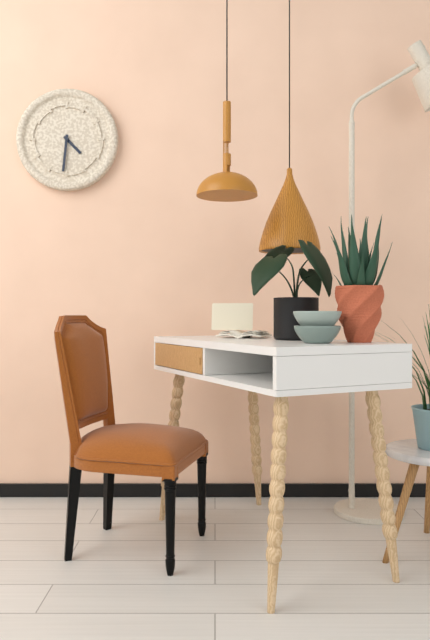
4:31
